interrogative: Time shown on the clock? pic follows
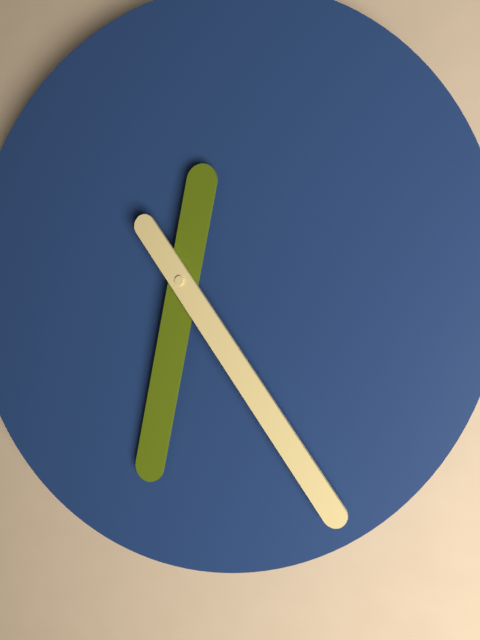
6:24
